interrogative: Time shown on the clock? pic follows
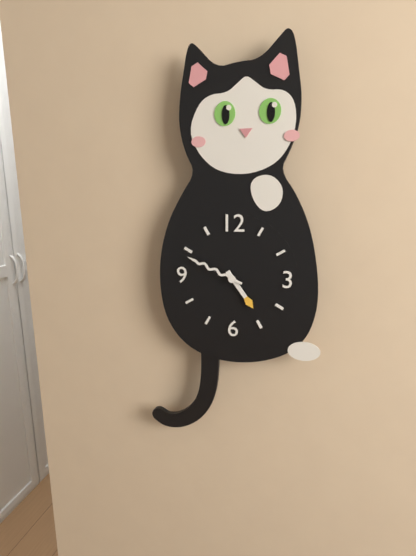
4:49
